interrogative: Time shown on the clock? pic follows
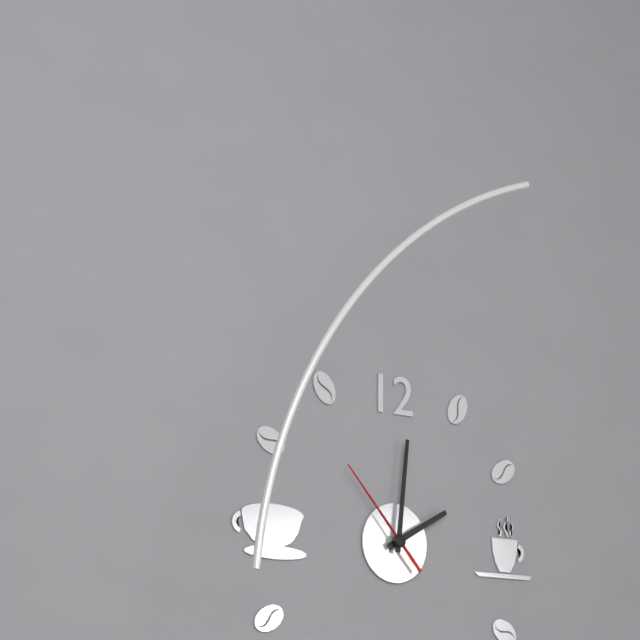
2:01:53
